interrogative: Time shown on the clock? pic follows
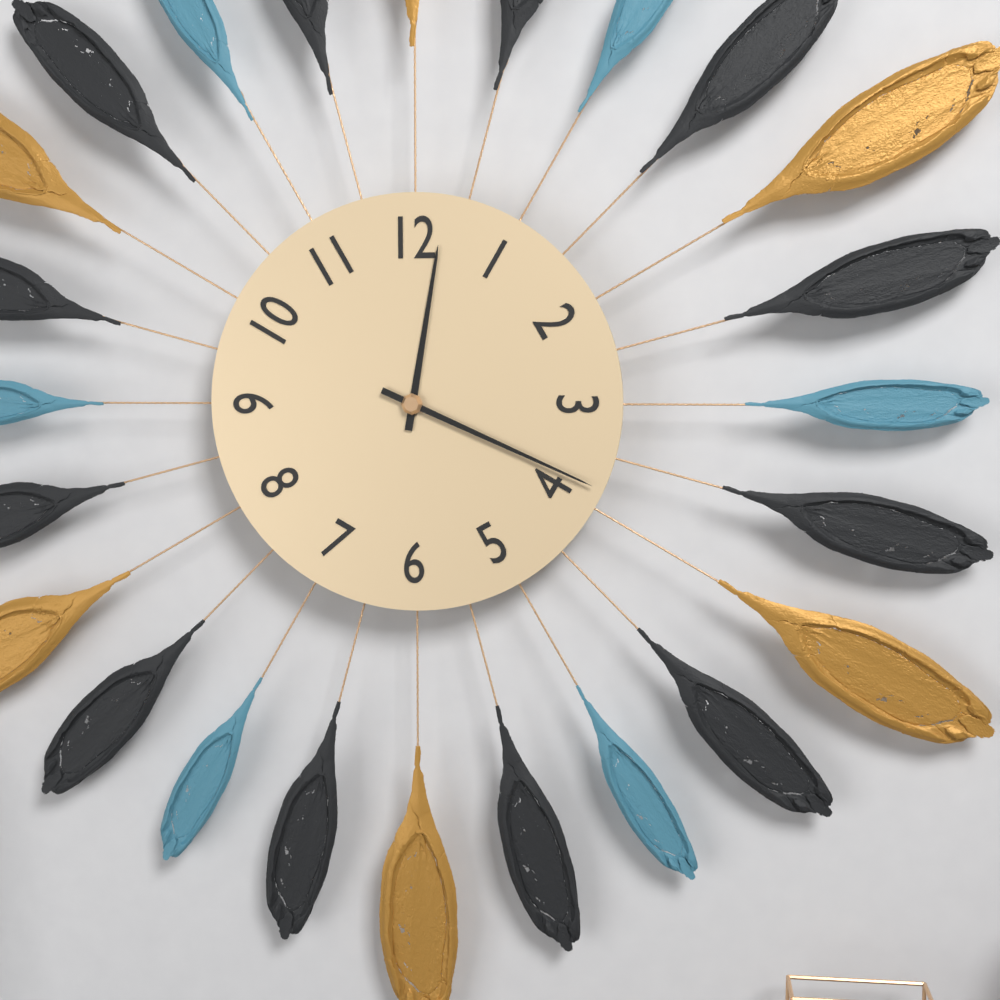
12:19
